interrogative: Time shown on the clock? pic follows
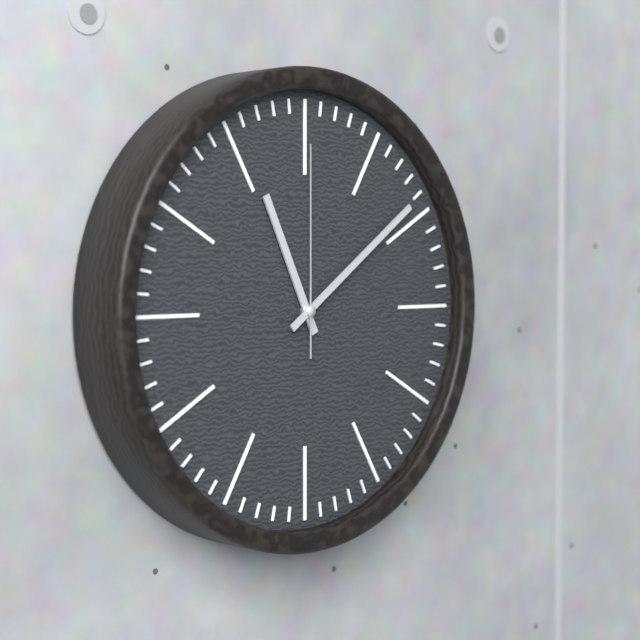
11:09:00
